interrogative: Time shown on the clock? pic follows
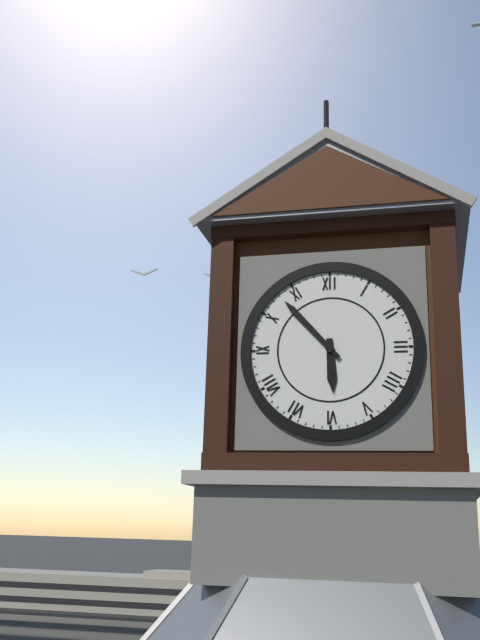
5:53
